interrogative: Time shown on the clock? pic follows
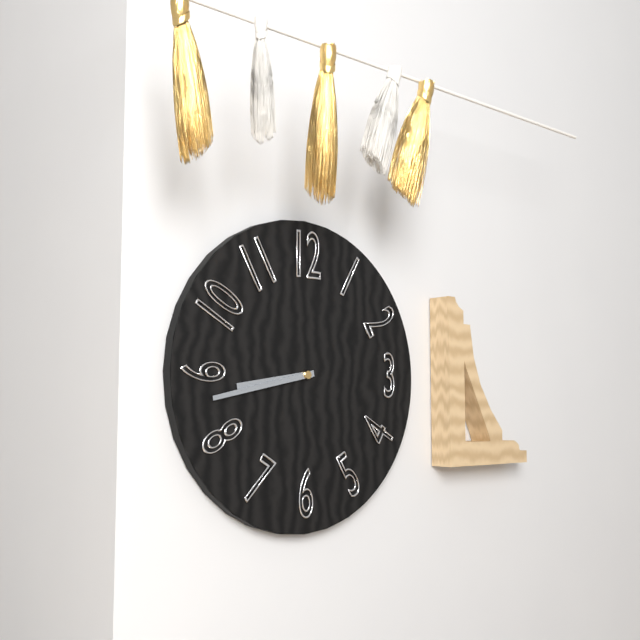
8:43
